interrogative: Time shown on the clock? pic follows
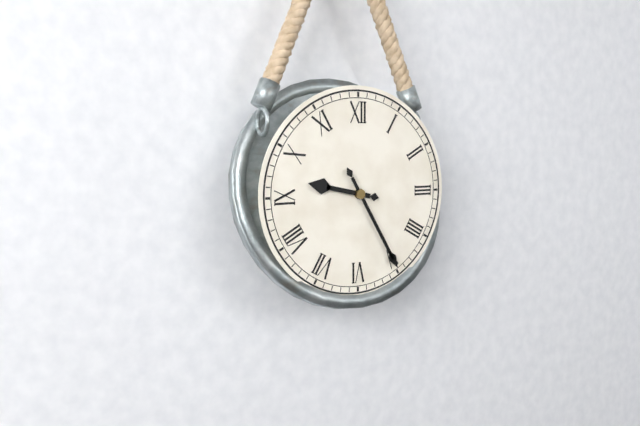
9:25
